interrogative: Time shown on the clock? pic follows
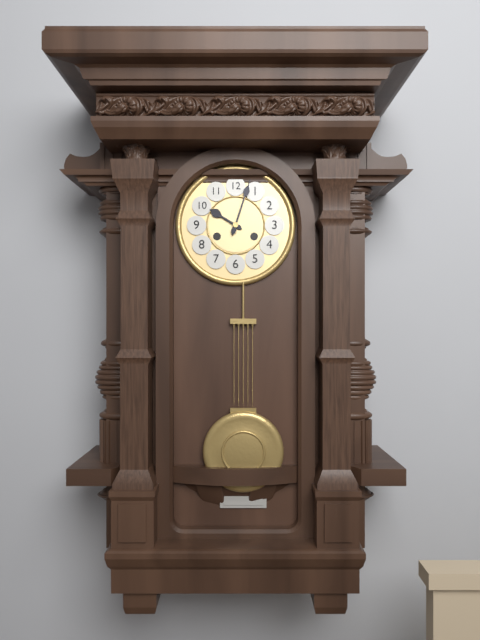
10:03
